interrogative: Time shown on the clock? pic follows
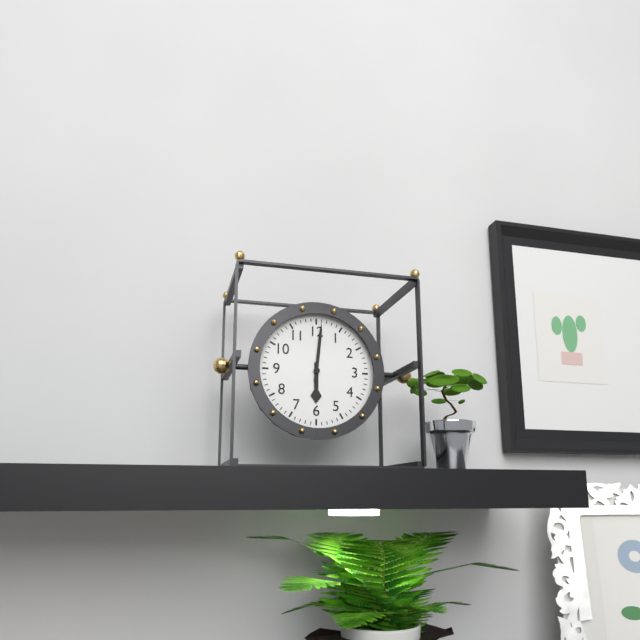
6:01
